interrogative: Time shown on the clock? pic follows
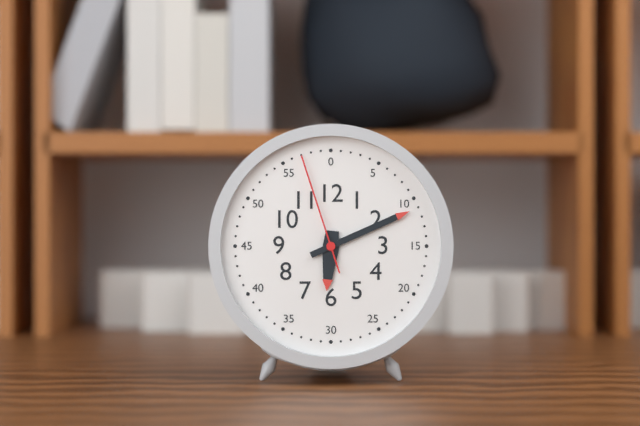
6:11:57
